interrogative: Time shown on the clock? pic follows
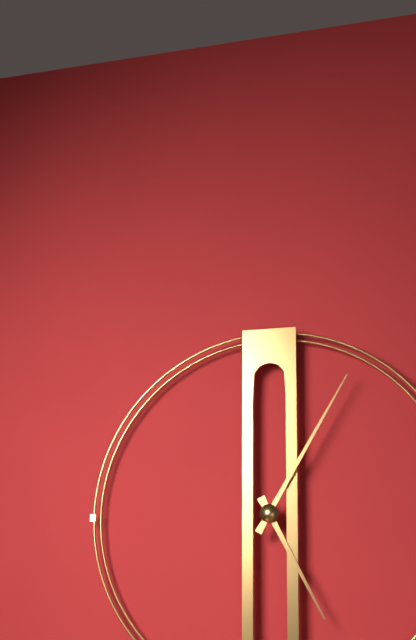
5:05
